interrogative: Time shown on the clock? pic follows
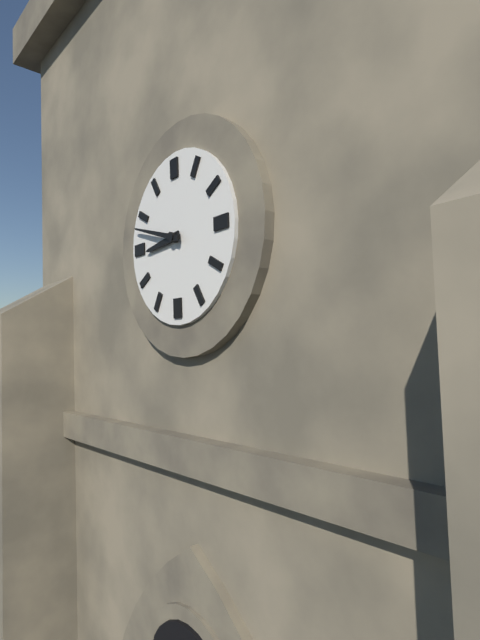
8:48
